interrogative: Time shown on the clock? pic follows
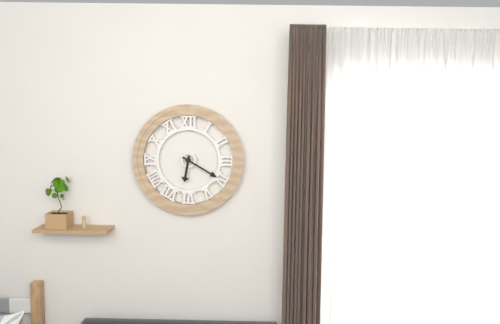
6:20
